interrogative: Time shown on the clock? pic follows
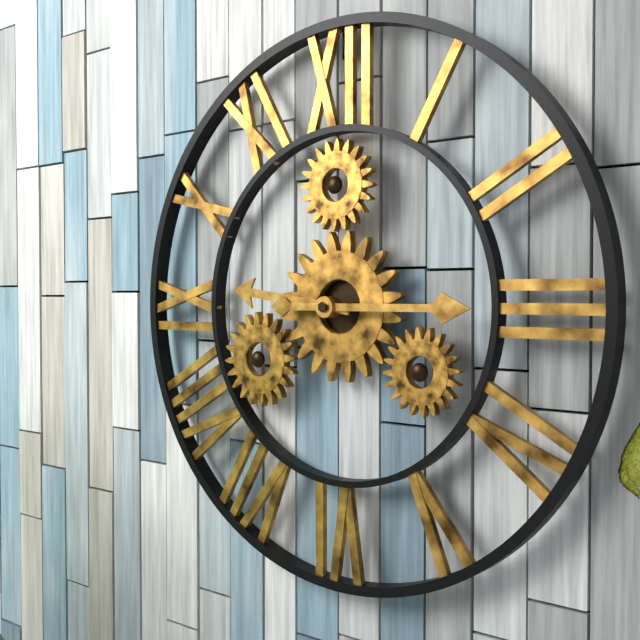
9:15
